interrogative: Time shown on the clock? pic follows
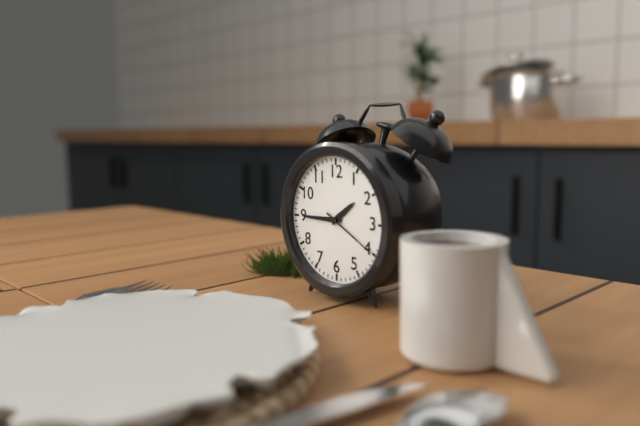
1:45
